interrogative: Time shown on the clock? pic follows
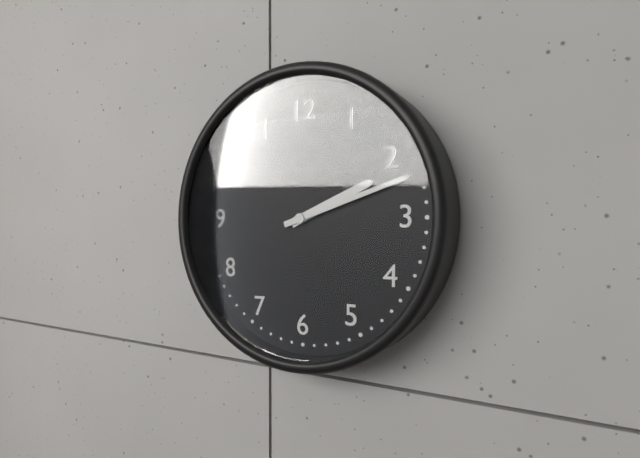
2:12
